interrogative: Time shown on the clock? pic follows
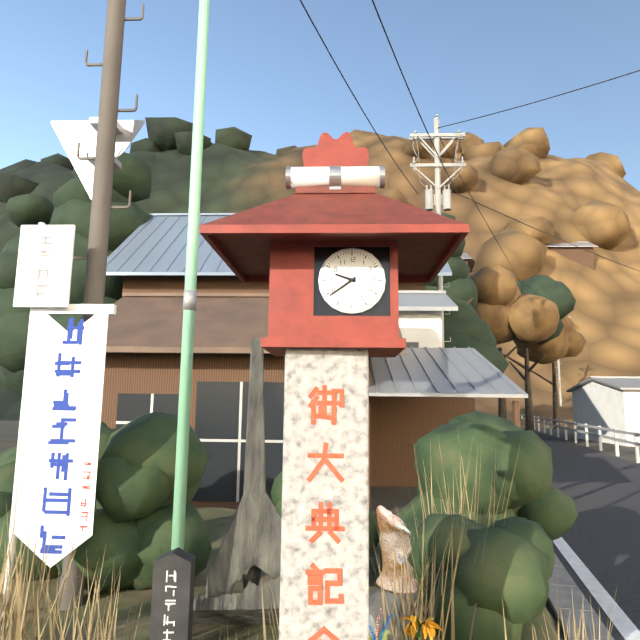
9:39
